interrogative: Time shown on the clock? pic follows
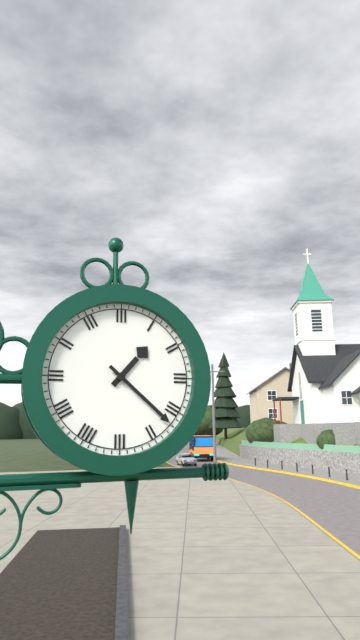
1:22
